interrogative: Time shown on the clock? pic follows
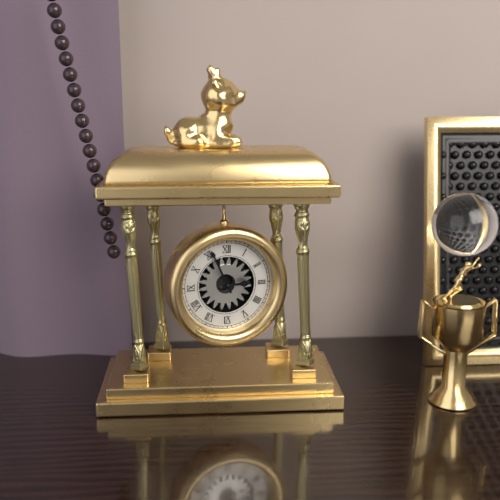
2:56
